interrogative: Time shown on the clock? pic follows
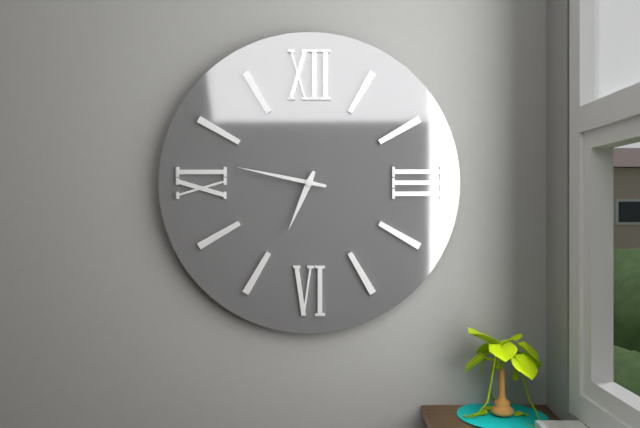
6:47
